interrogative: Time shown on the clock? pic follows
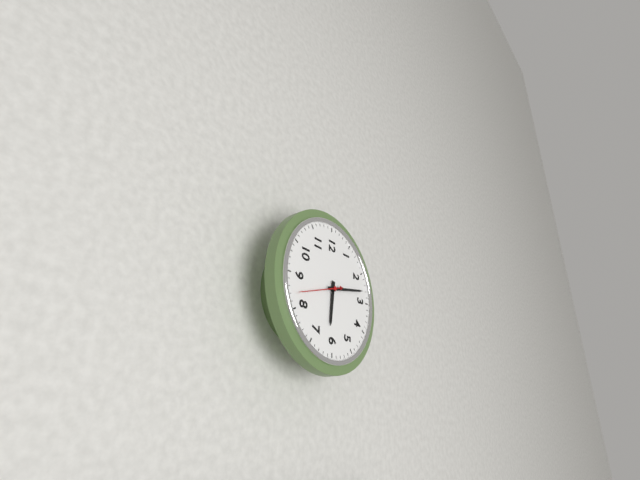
6:13
